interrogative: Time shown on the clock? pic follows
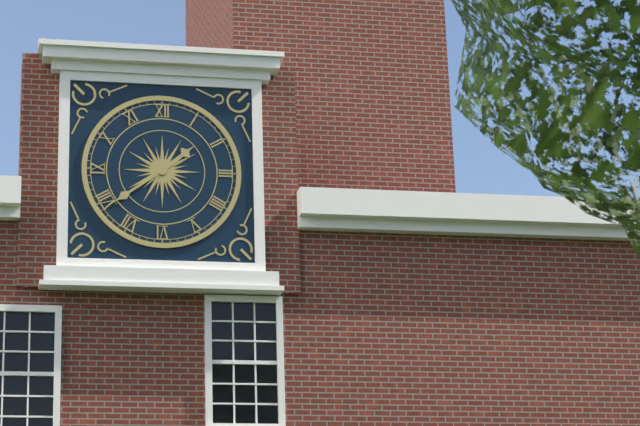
1:39
